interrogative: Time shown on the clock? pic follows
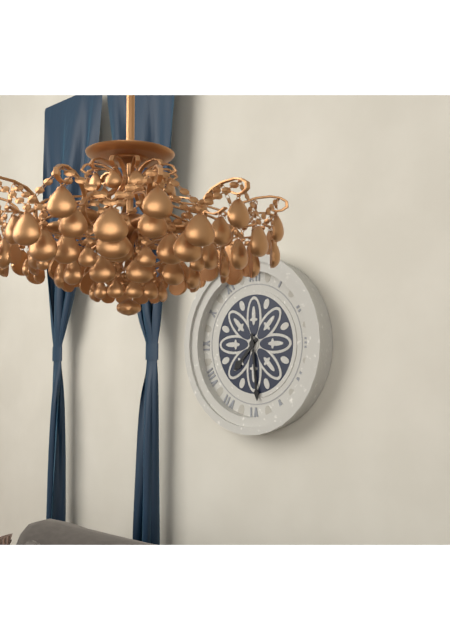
7:29
